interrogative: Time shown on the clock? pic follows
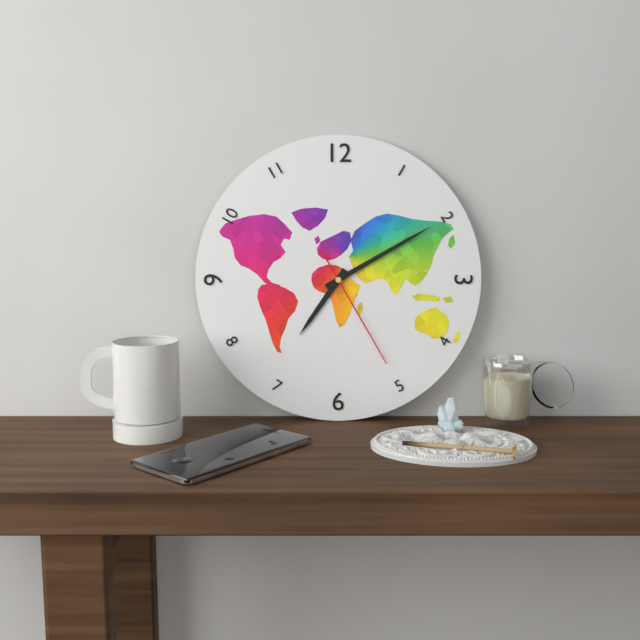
7:10:25
